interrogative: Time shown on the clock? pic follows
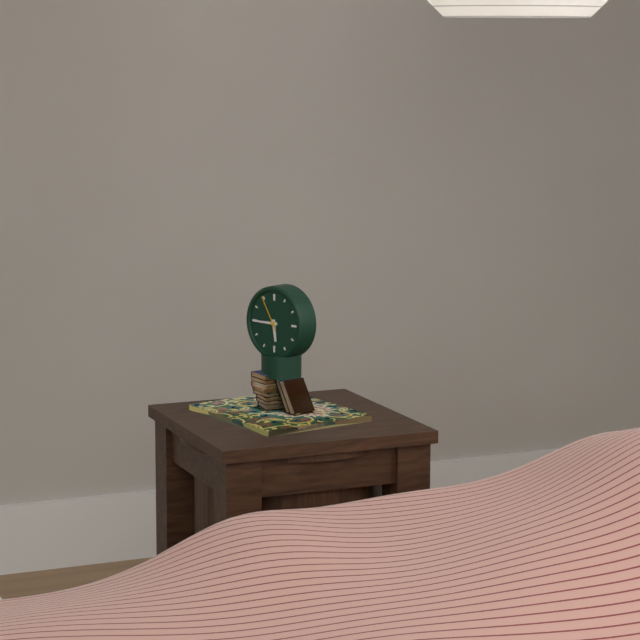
5:45
